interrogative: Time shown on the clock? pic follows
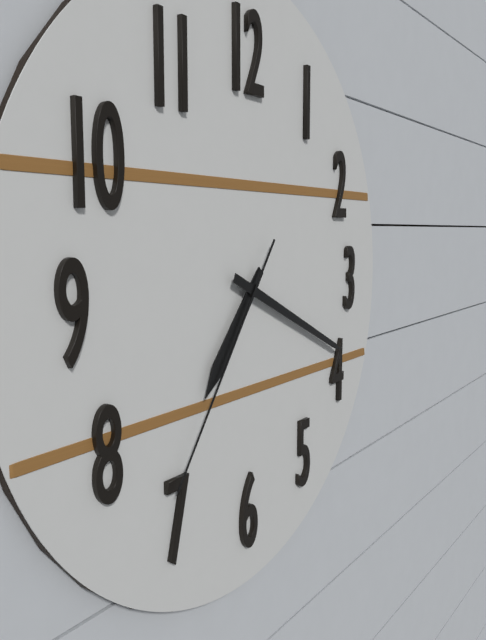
7:19:36
